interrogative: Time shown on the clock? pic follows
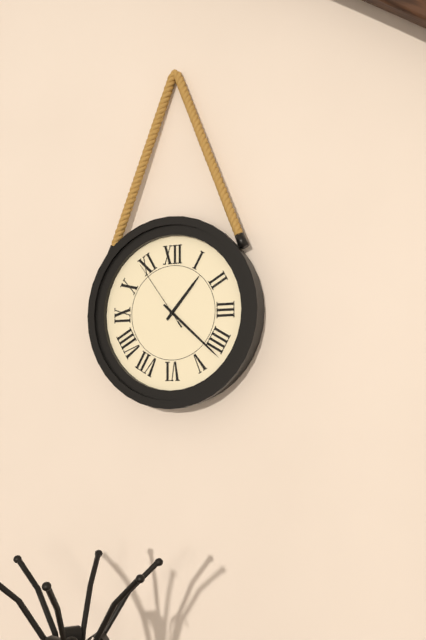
1:22:54
